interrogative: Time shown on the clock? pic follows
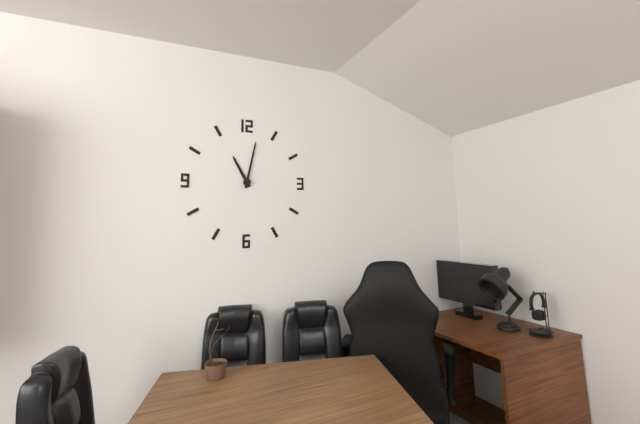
11:02
